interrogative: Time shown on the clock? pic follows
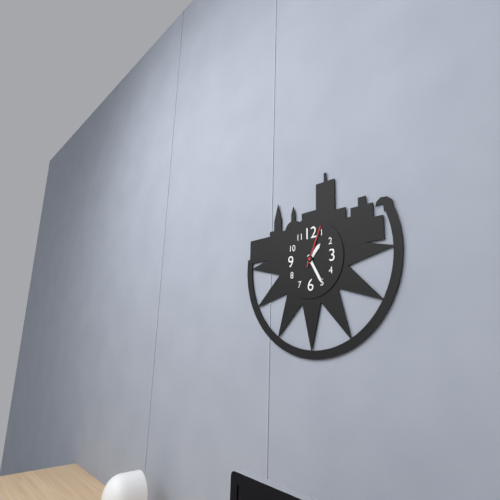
1:25
